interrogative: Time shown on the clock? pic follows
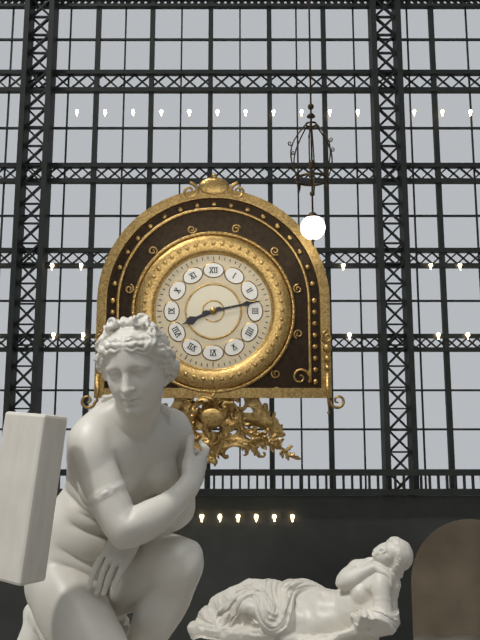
8:13
